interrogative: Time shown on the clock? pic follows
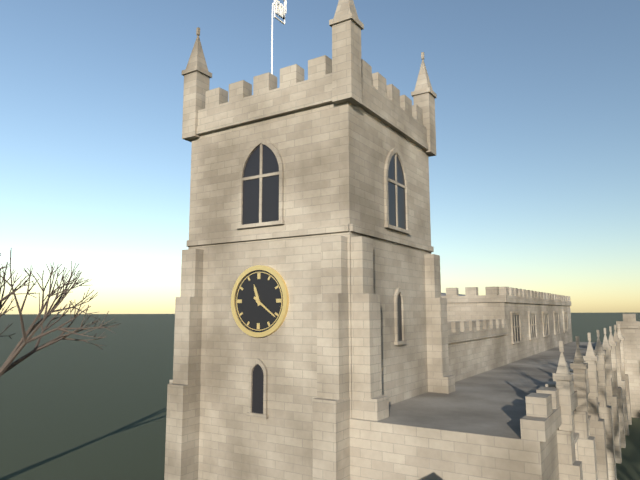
11:21
